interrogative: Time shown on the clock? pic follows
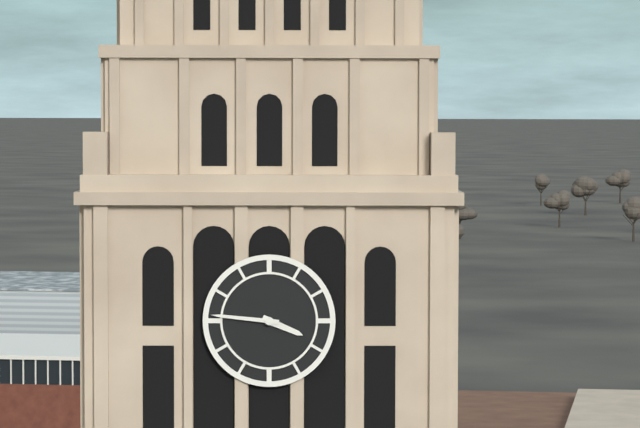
3:46
